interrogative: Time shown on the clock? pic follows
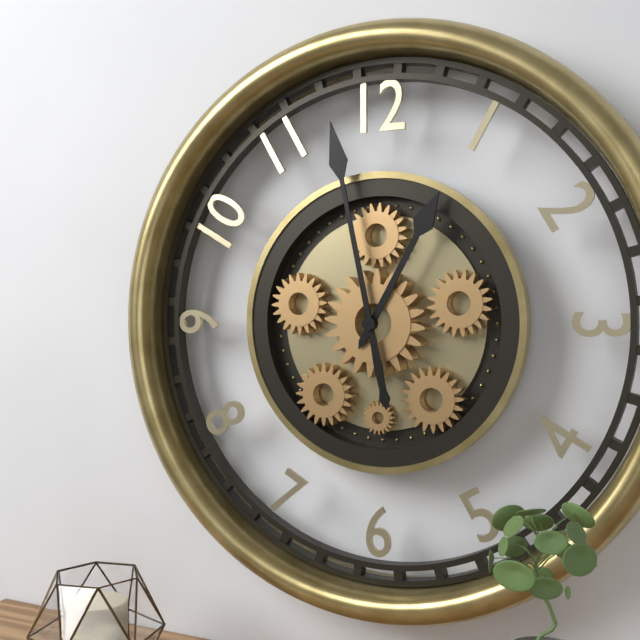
12:58
